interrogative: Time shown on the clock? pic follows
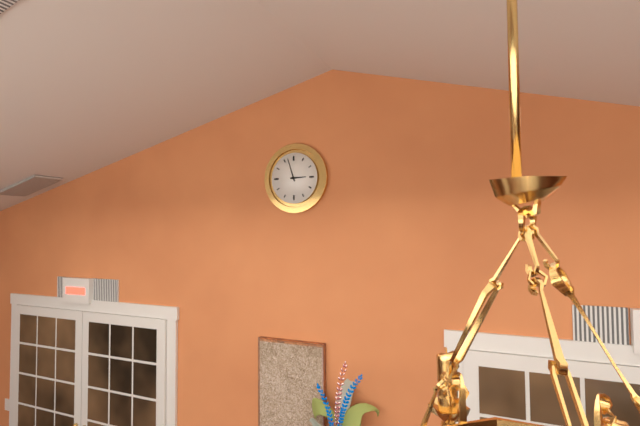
2:57
